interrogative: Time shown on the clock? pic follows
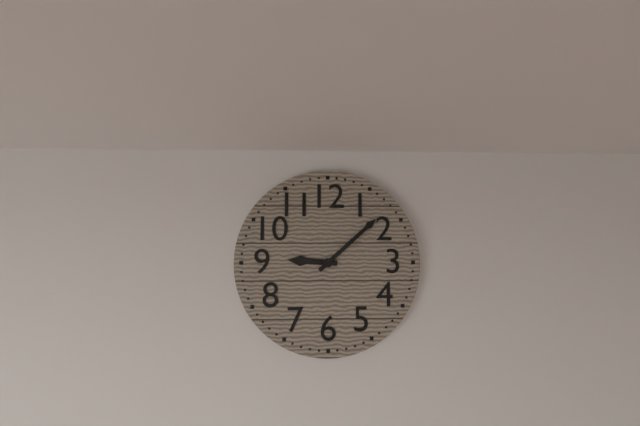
9:08
